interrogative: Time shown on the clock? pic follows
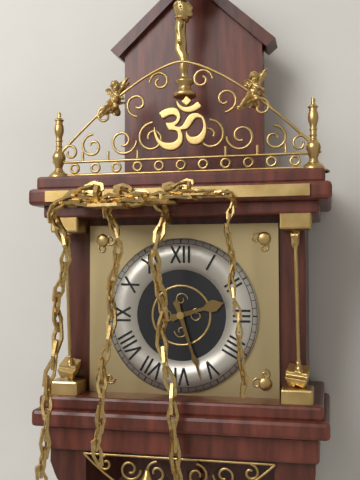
2:27
